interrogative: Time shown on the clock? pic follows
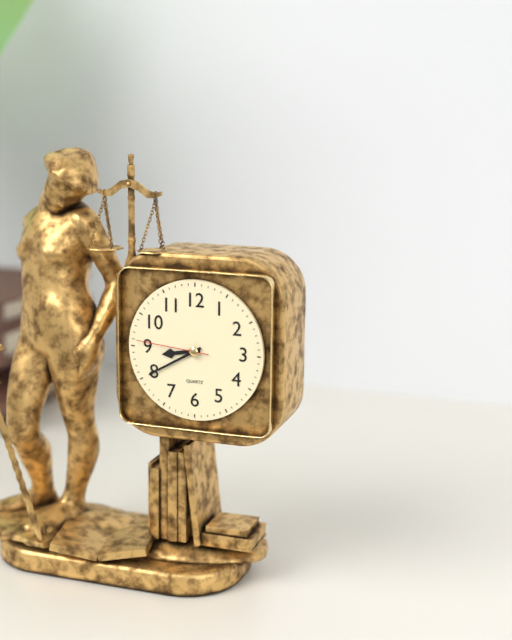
8:40:46
